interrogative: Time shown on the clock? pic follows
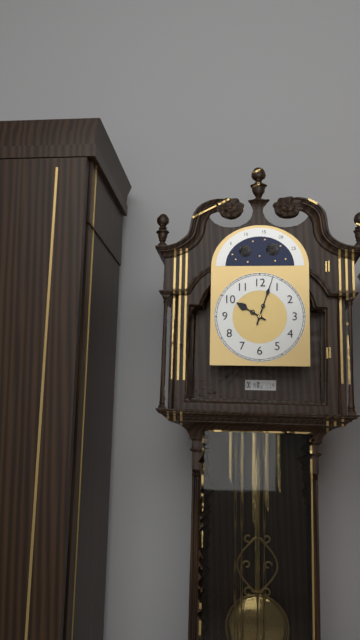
10:03
